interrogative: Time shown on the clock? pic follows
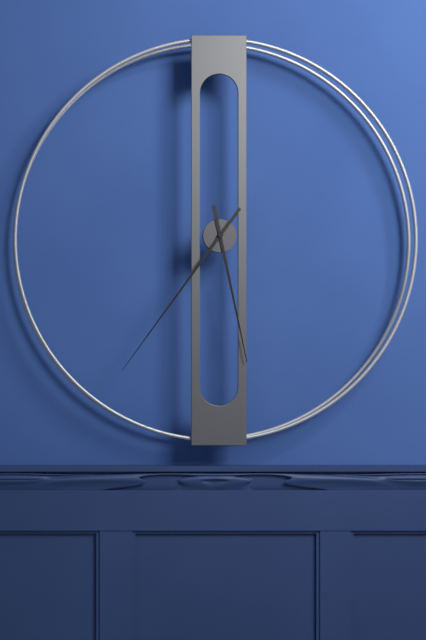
5:36
